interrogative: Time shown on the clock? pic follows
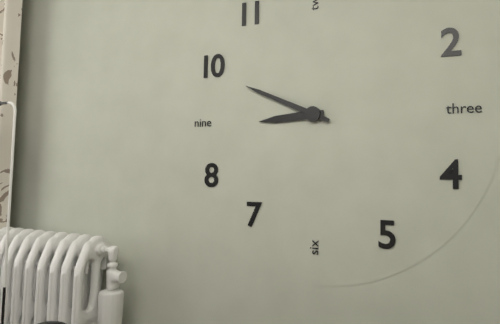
8:49
